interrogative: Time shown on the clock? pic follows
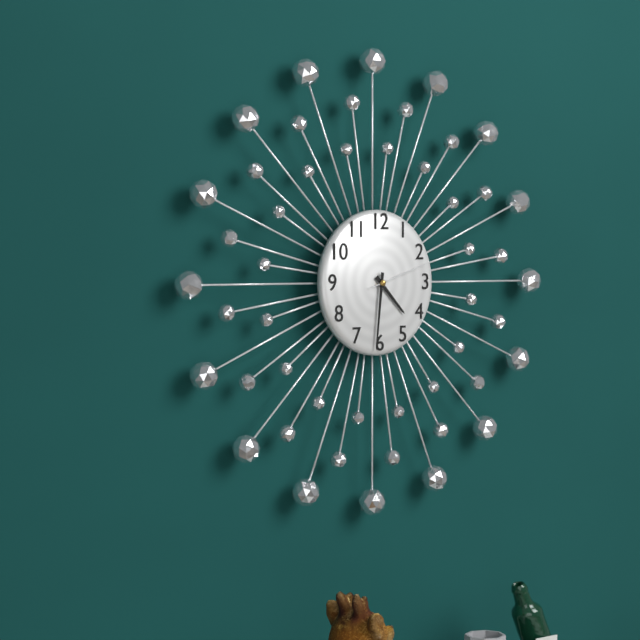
4:31:12
